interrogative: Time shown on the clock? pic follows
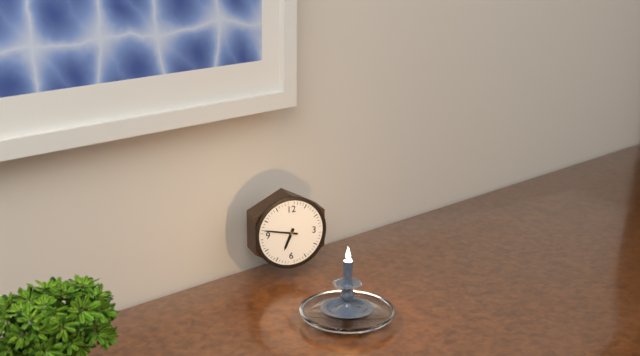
6:47
